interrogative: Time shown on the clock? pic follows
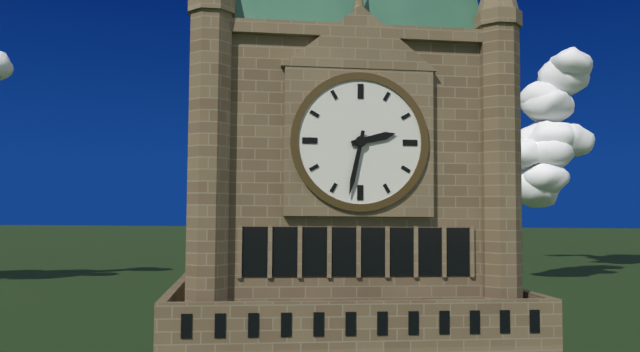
2:32
